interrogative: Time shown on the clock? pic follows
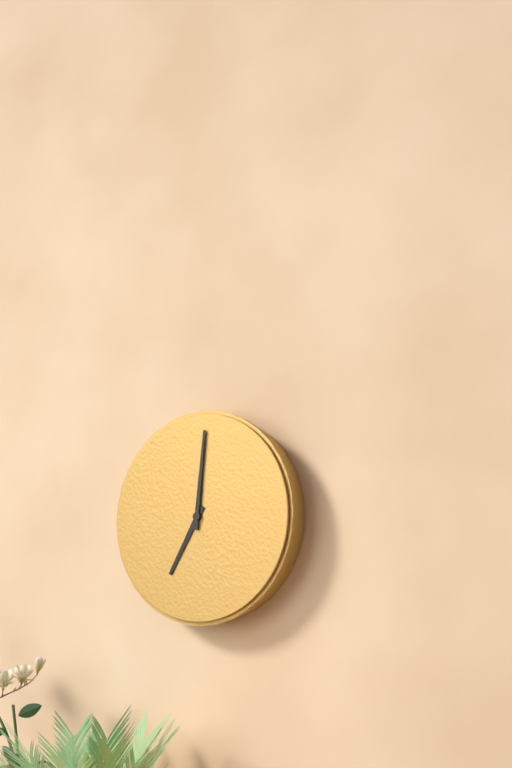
7:01
